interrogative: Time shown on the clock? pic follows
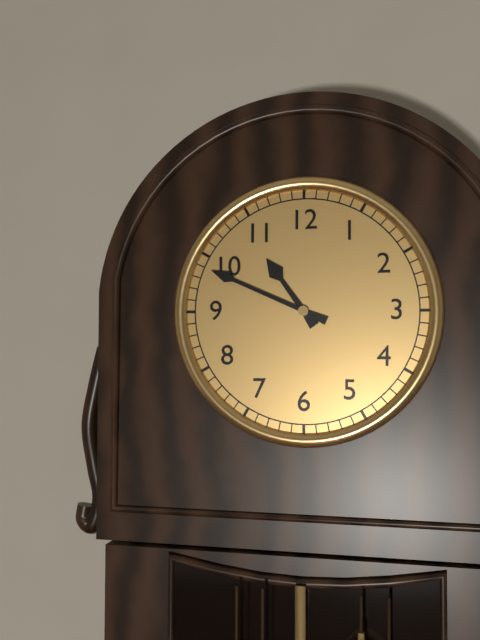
10:49
